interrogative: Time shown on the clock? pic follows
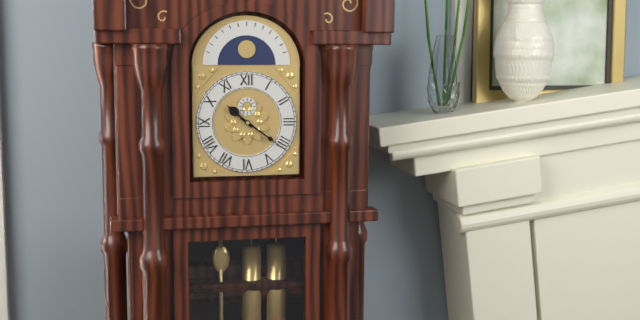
10:21
